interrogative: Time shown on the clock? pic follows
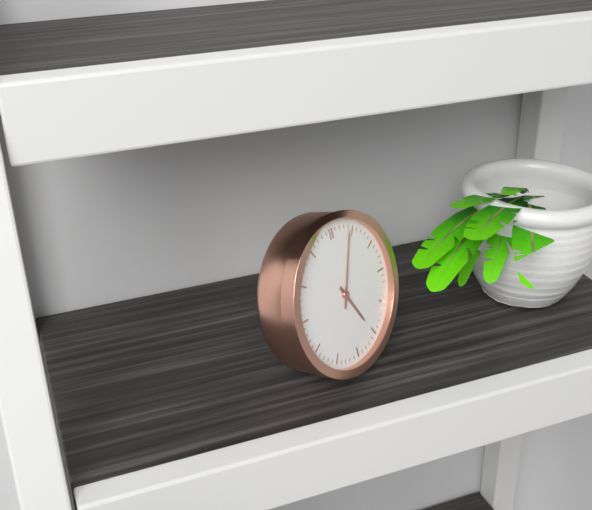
5:04
